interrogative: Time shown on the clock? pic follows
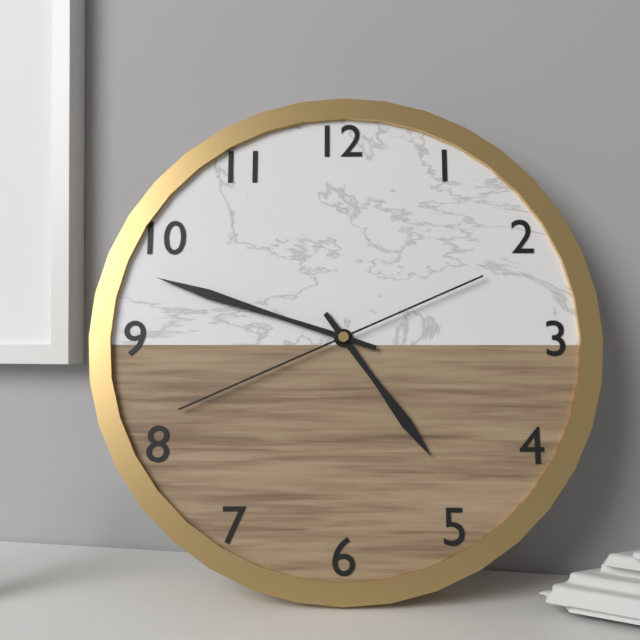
4:48:41
